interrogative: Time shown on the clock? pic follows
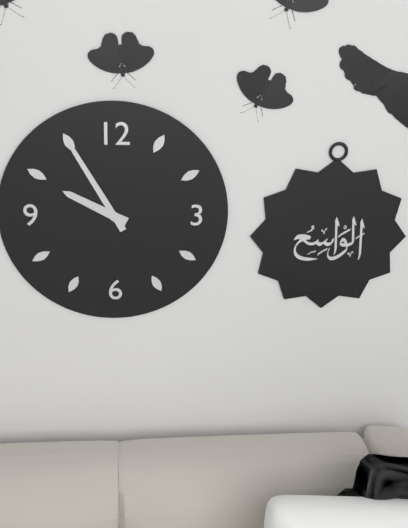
9:55
